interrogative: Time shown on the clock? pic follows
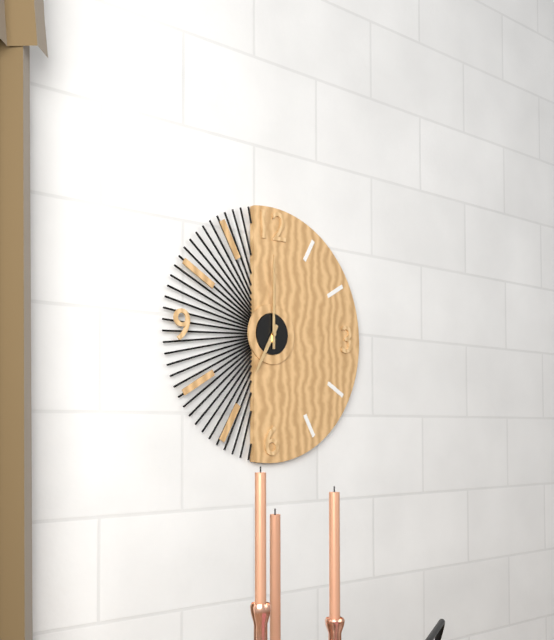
7:00
